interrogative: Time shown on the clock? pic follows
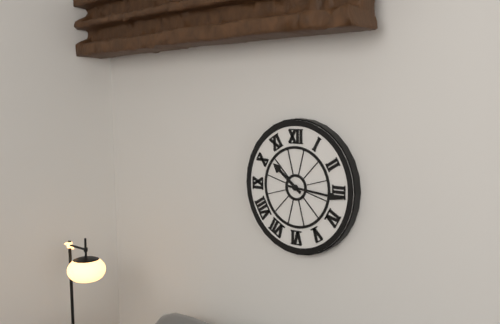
10:16
